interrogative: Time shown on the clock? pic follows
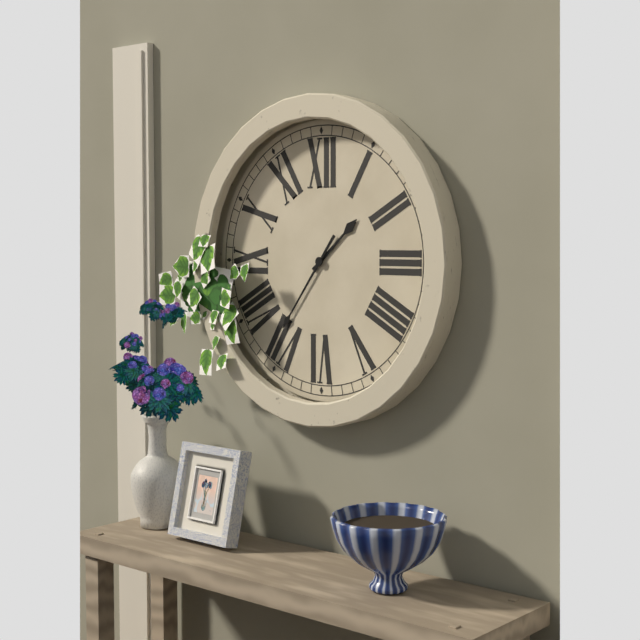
1:36
